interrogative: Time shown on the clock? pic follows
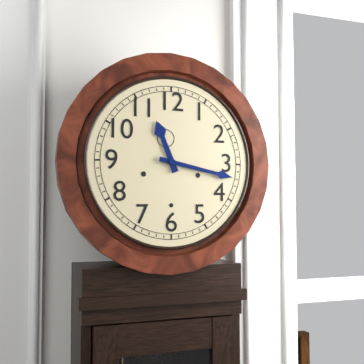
11:17
